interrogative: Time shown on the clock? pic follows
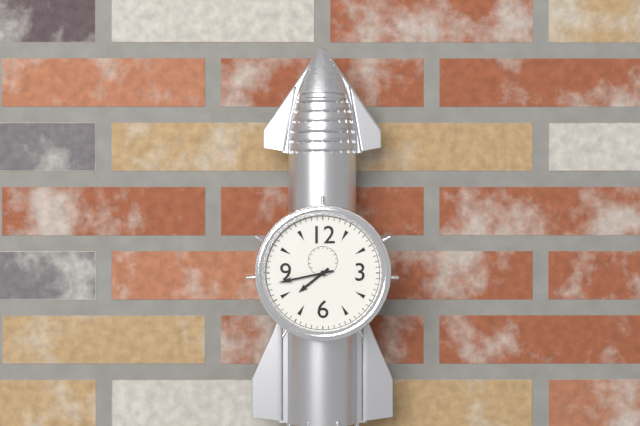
7:43
